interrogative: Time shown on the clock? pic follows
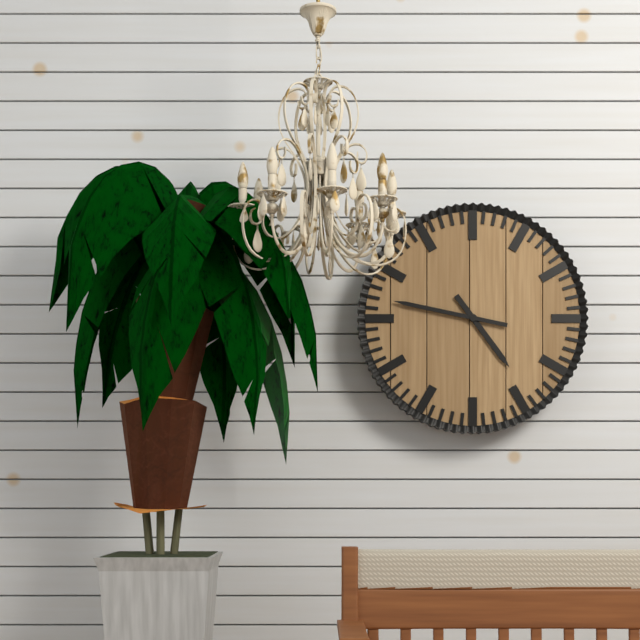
4:47
